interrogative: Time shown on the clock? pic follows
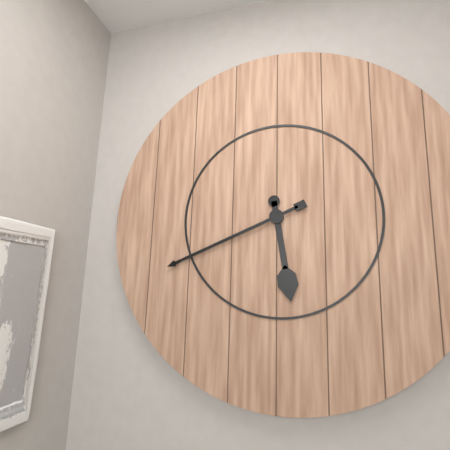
5:41
